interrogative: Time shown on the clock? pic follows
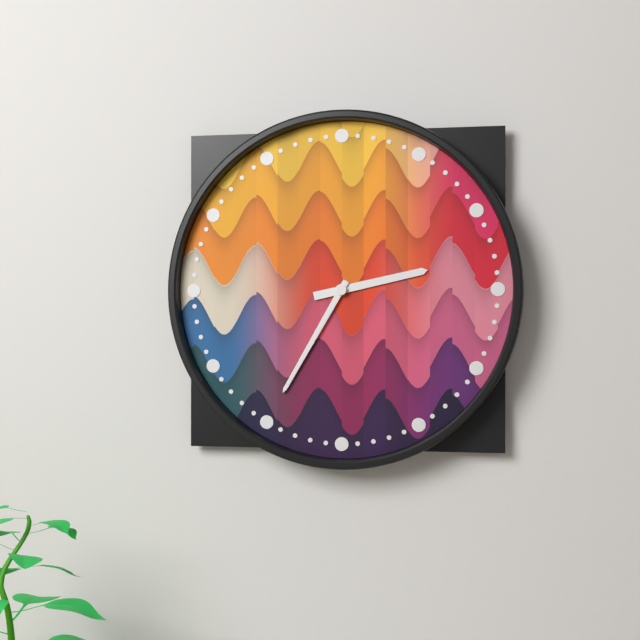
2:35
